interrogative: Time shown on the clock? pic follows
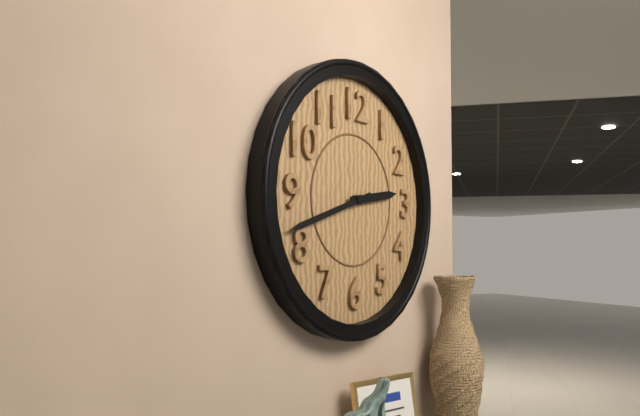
2:42
